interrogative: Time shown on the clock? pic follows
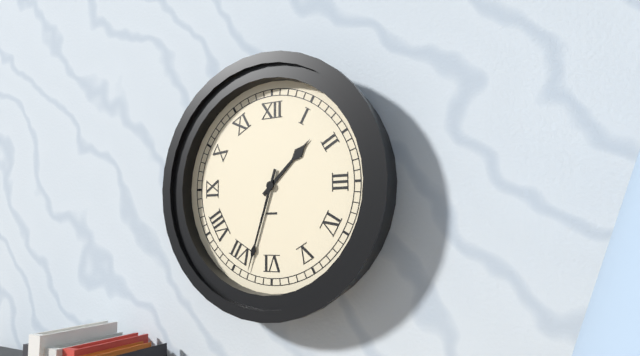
1:33
